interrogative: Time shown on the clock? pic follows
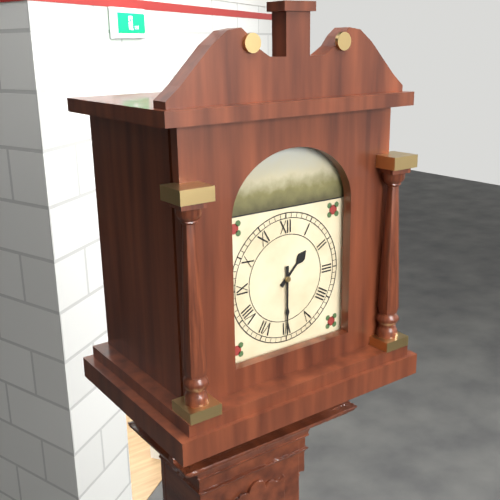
1:30
